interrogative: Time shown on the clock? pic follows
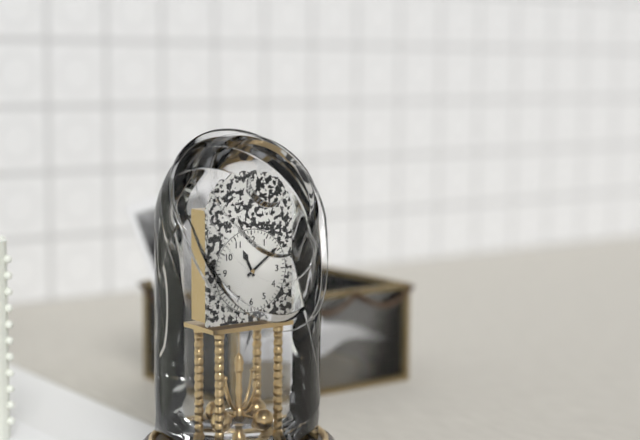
11:09
